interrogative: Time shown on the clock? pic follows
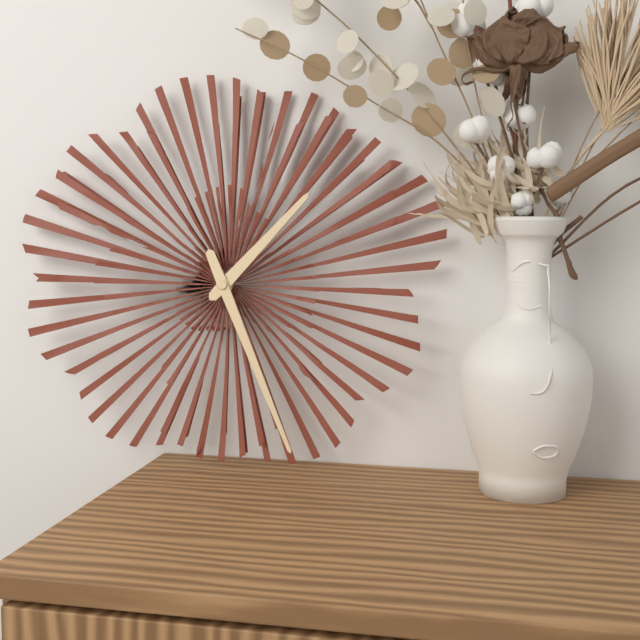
1:26
